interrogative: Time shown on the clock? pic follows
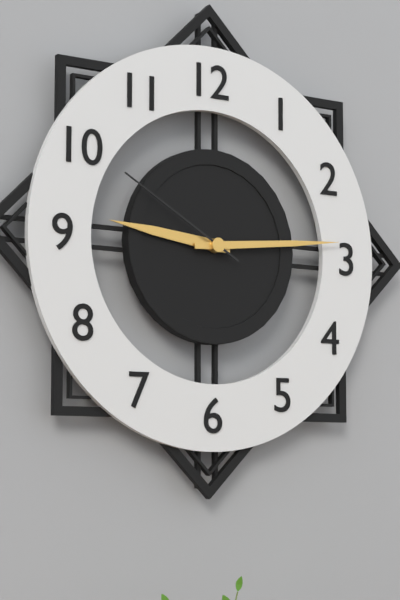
9:14:50
